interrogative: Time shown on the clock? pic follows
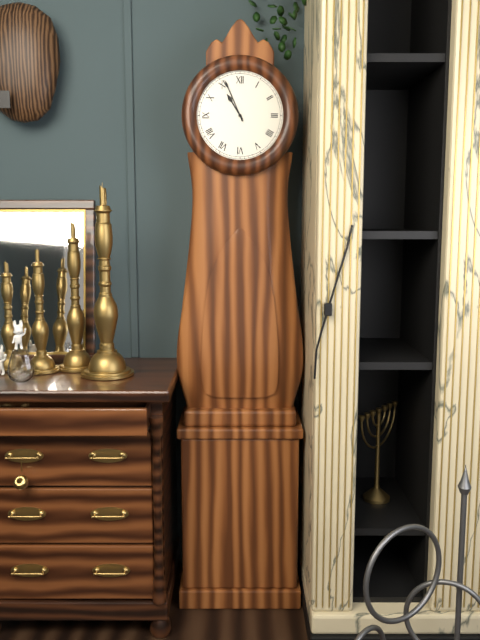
10:56
